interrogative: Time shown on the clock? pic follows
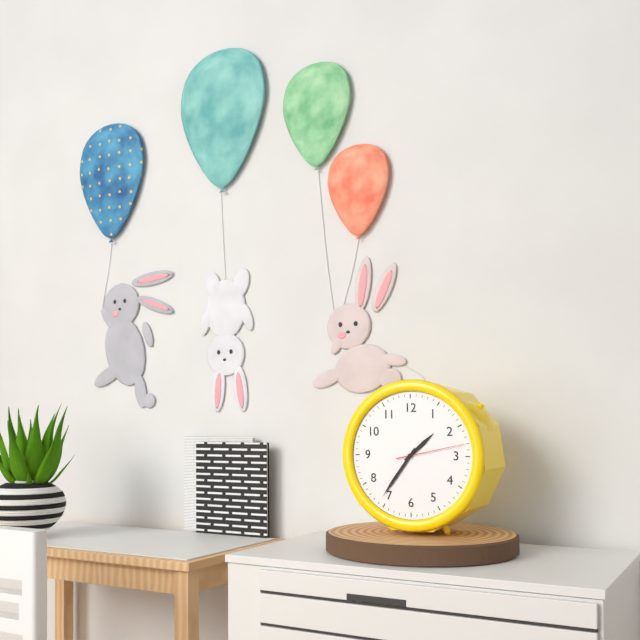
1:36:13
